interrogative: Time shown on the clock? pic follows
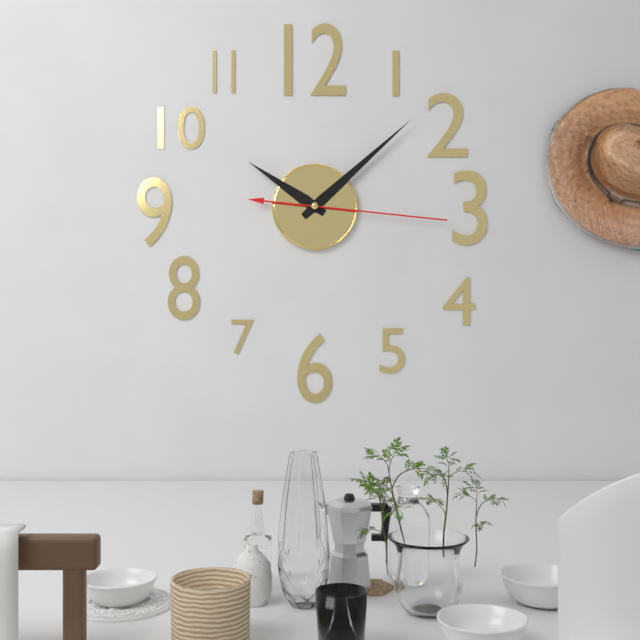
10:08:16
